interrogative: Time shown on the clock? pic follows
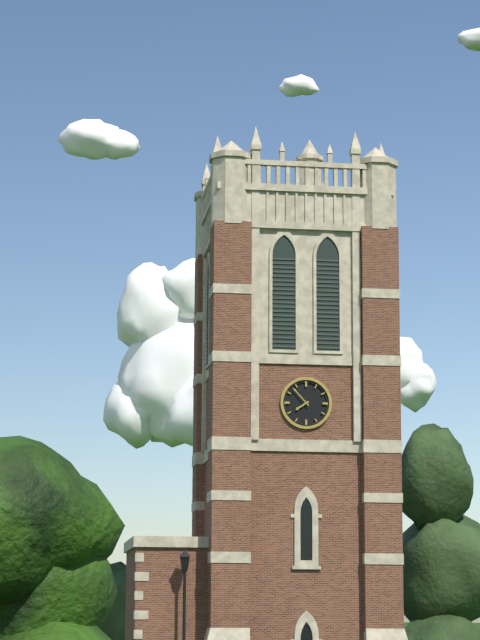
7:53
